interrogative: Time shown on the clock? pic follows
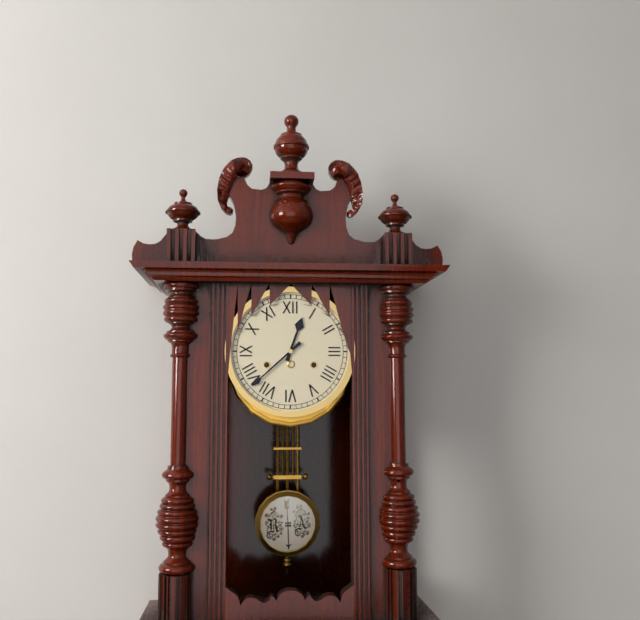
12:38
